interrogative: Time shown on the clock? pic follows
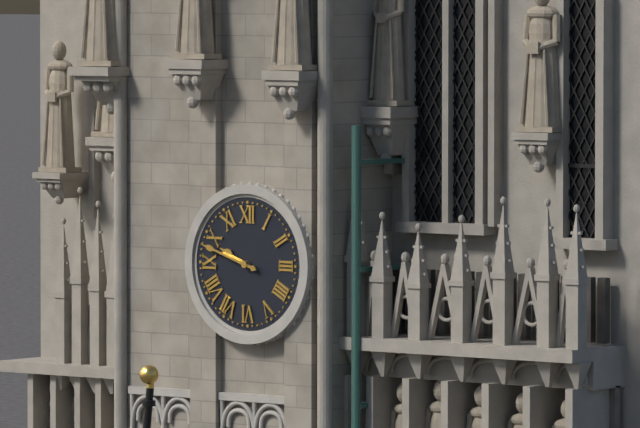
9:48
